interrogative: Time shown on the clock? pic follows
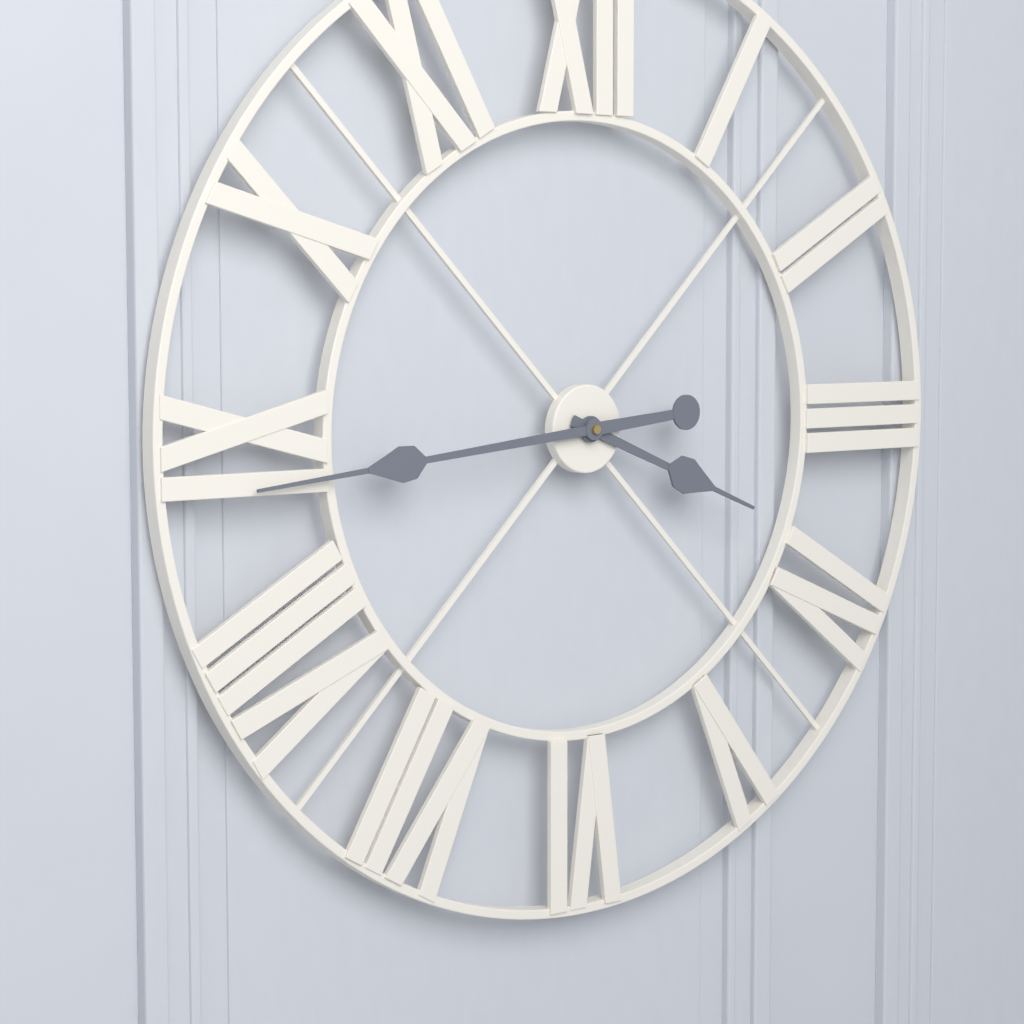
3:44
